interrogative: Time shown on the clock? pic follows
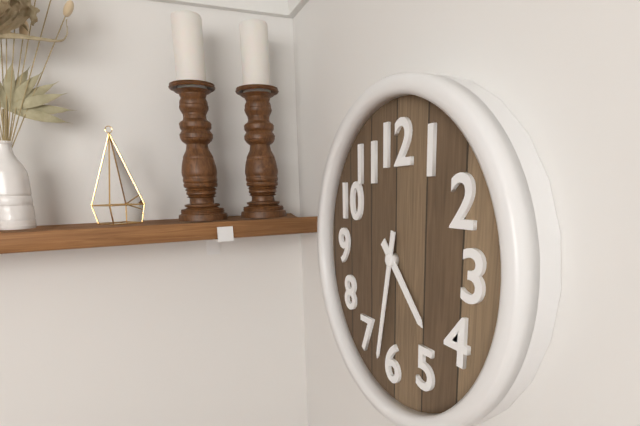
4:32
